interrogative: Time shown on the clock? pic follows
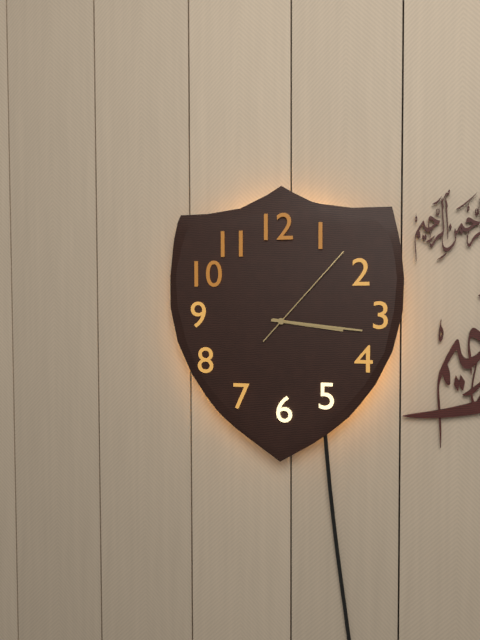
3:16:07
